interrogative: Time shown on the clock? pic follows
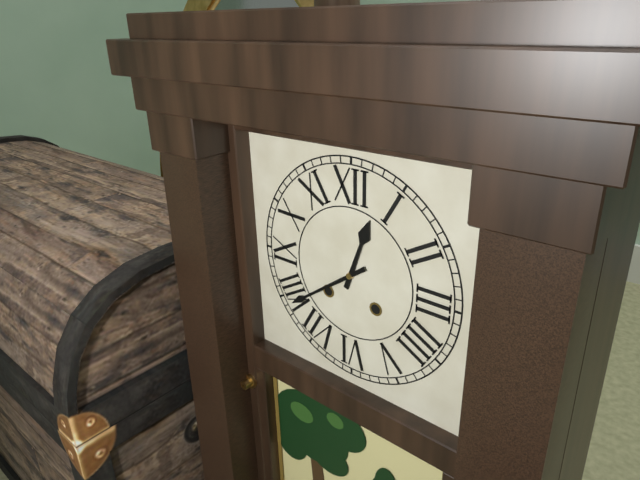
12:39
